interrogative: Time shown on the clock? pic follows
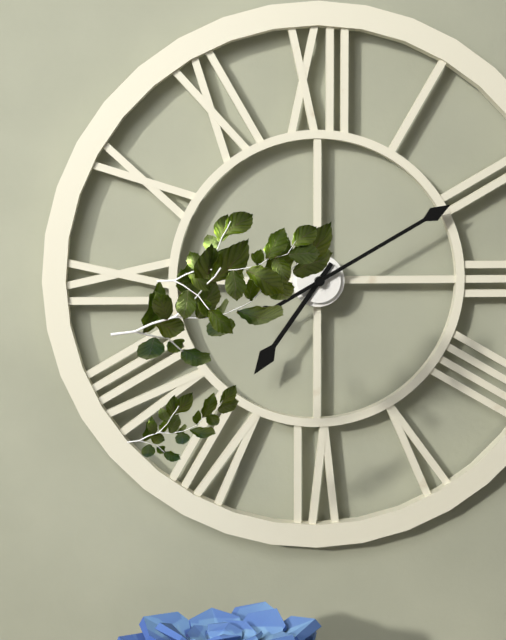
7:10
